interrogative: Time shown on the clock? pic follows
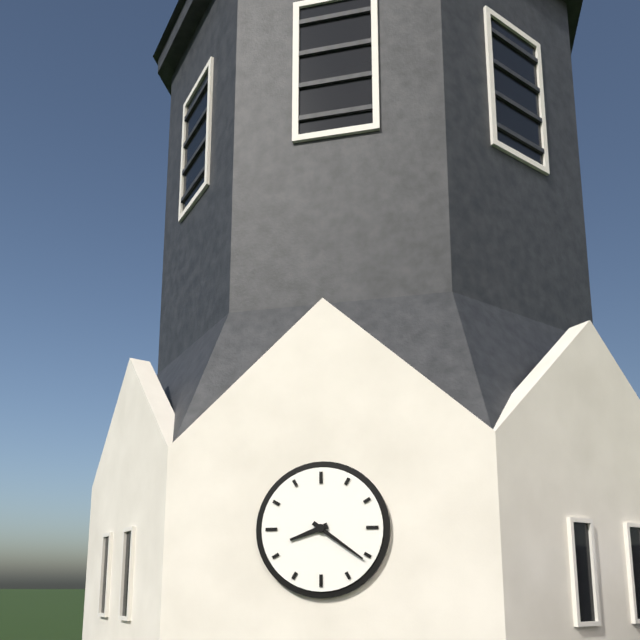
8:21
